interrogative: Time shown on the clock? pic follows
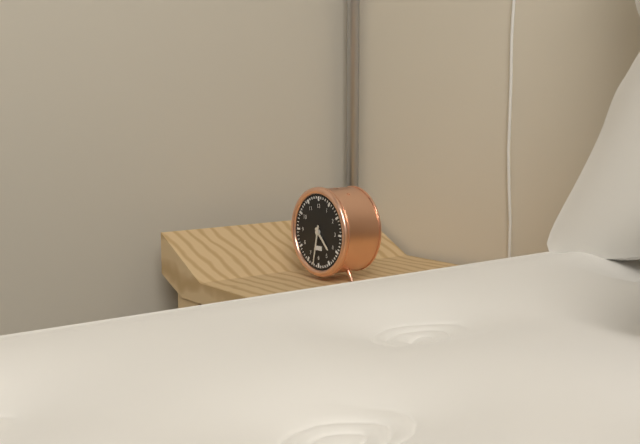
4:32
